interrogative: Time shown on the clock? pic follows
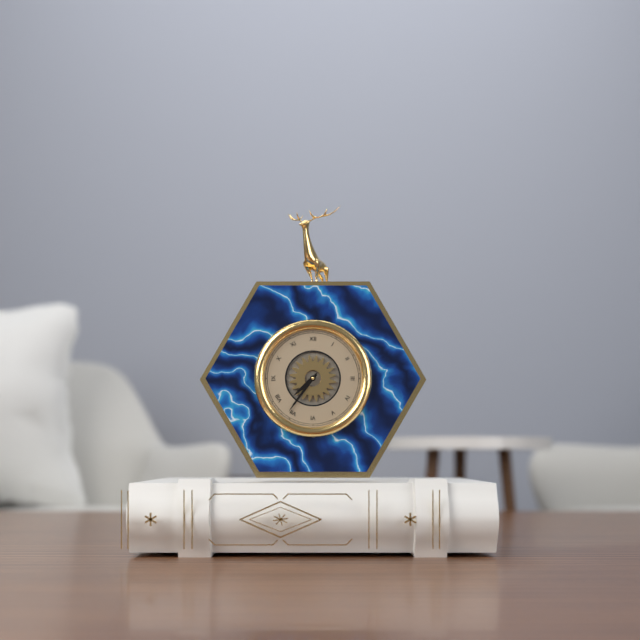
7:36
